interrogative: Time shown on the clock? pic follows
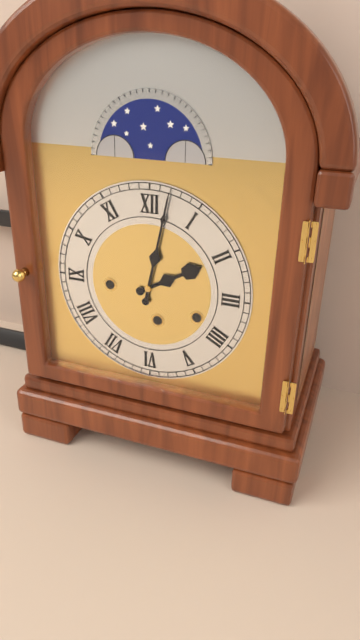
2:02
